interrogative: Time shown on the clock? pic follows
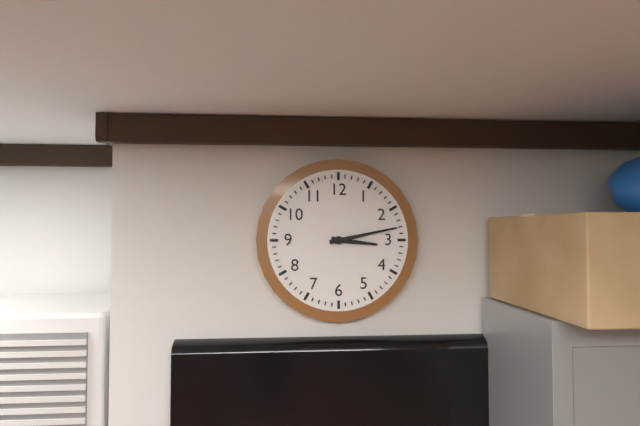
3:13
